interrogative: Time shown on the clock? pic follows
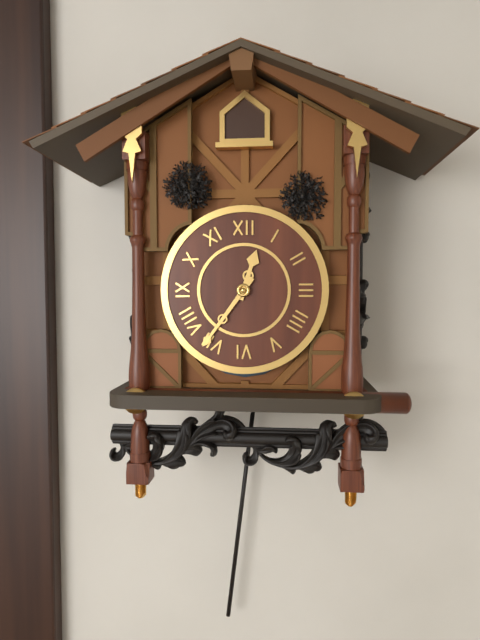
12:36
